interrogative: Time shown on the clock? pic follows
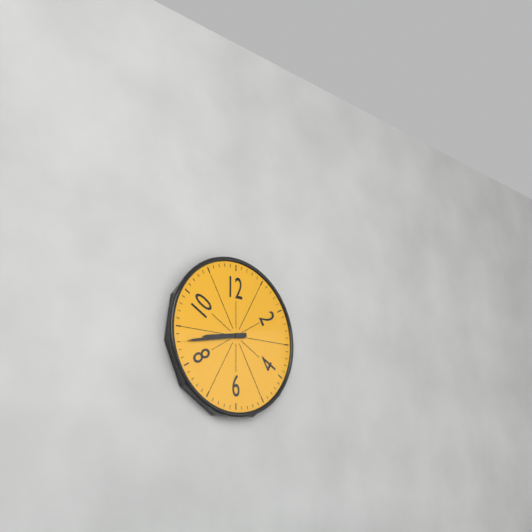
8:43
